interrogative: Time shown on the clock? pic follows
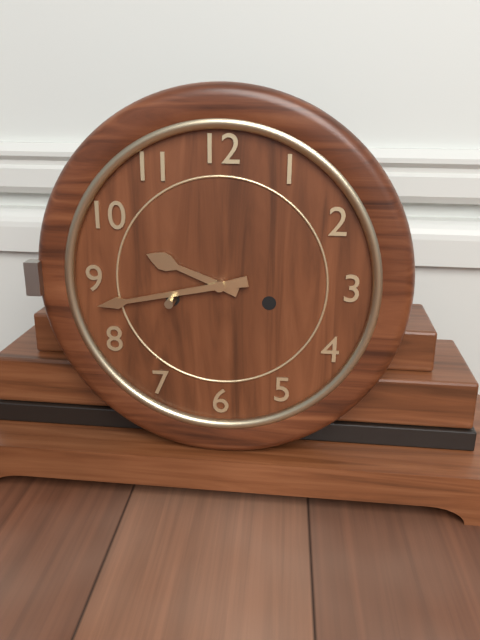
9:43
